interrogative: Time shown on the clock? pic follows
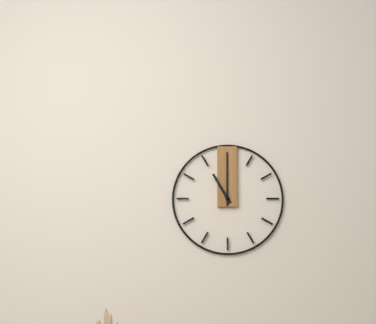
11:00
